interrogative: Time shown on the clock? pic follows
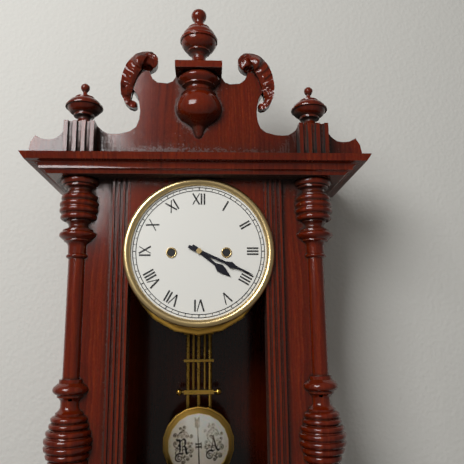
4:19
